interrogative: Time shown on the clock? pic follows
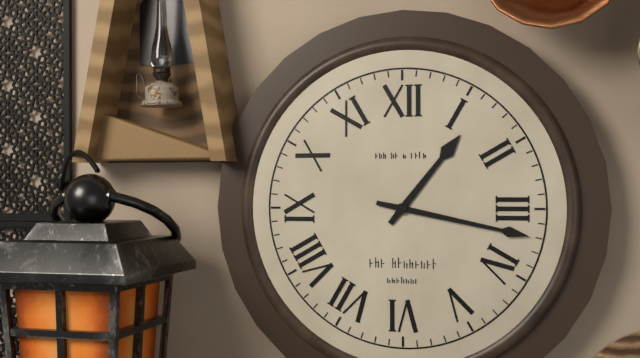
1:17
